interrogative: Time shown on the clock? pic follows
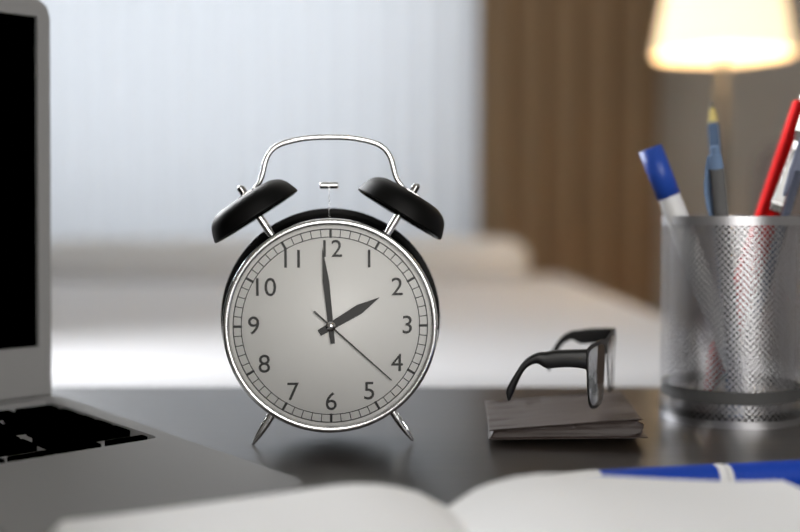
1:59:22
